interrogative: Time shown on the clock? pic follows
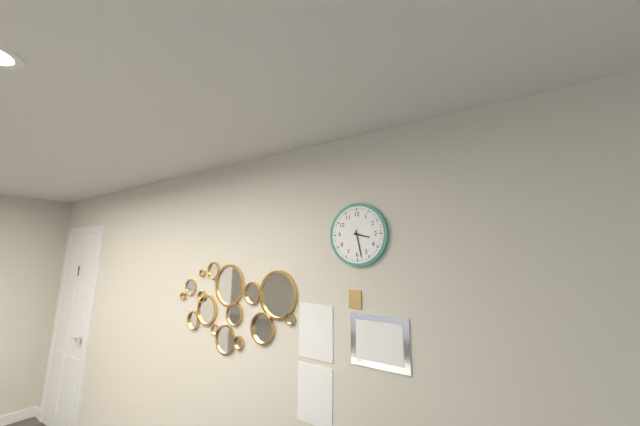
3:28
